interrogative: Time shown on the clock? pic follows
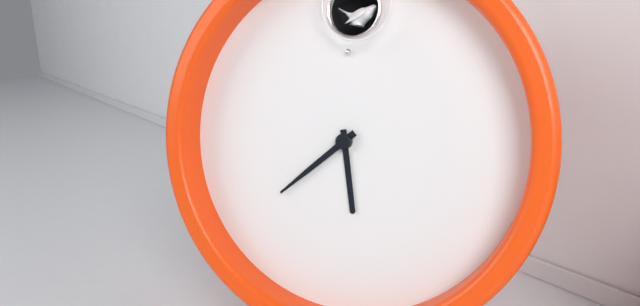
5:38
